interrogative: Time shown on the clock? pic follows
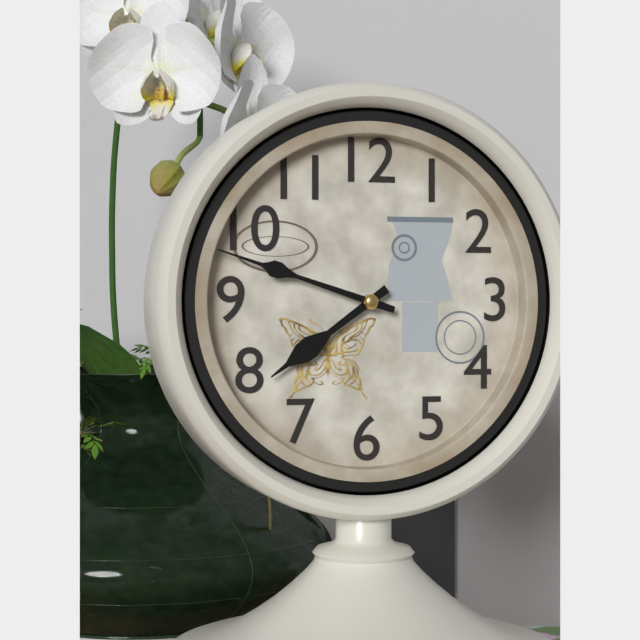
7:48
